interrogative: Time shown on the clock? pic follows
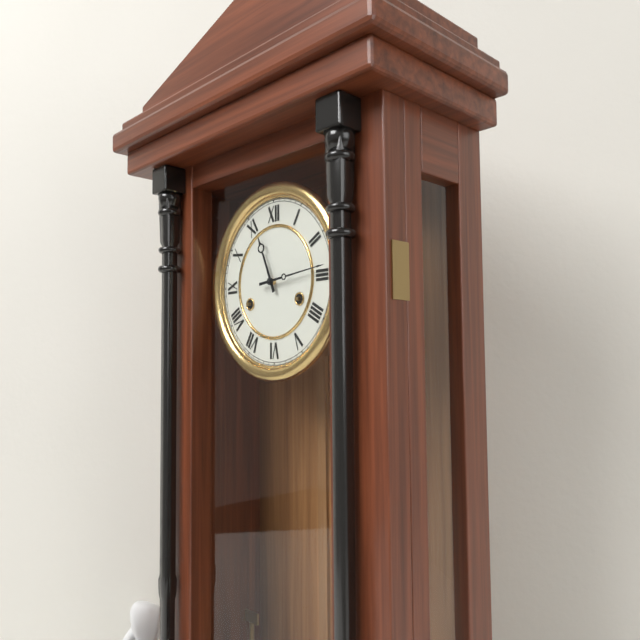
11:14
